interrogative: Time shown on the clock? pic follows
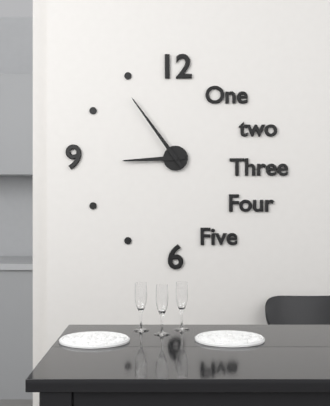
8:54
